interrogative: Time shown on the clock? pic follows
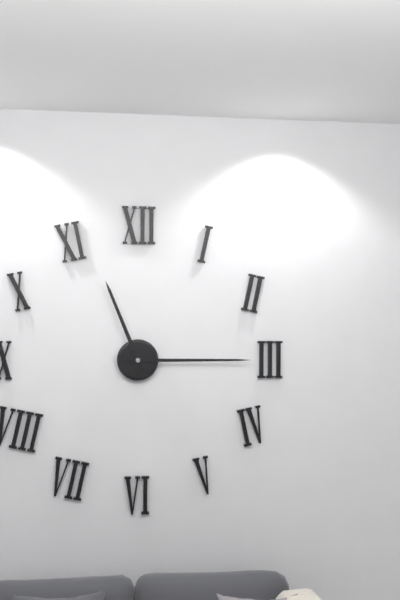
11:15
